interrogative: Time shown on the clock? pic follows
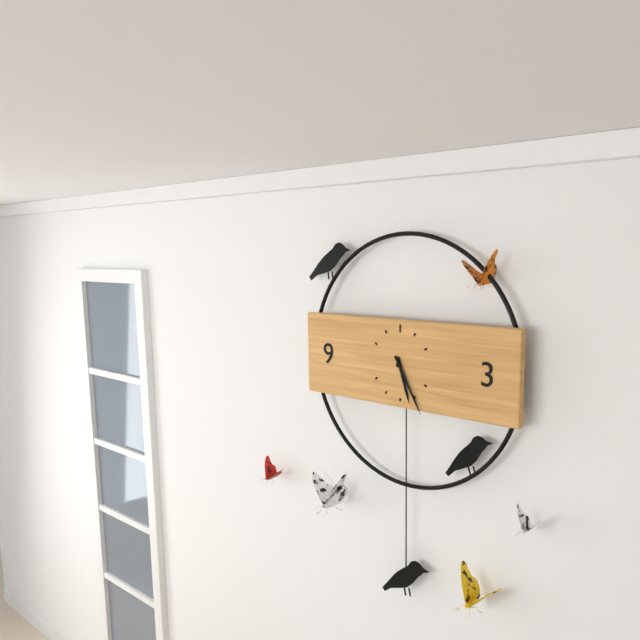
5:25
